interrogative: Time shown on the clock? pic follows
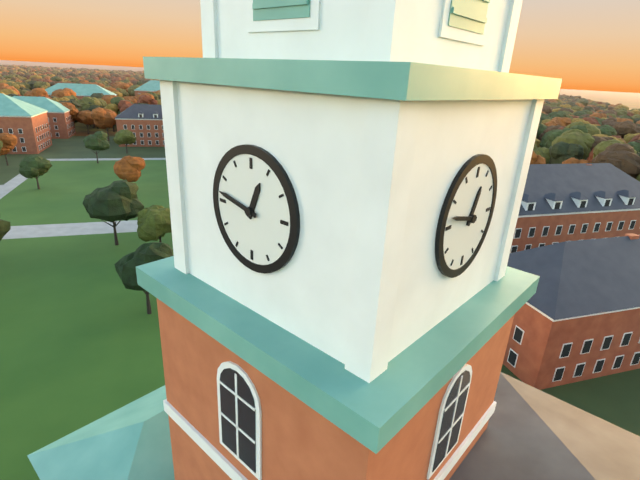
12:47
